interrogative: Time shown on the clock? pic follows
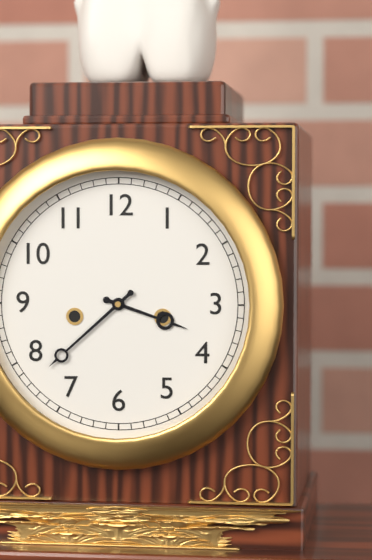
3:38
